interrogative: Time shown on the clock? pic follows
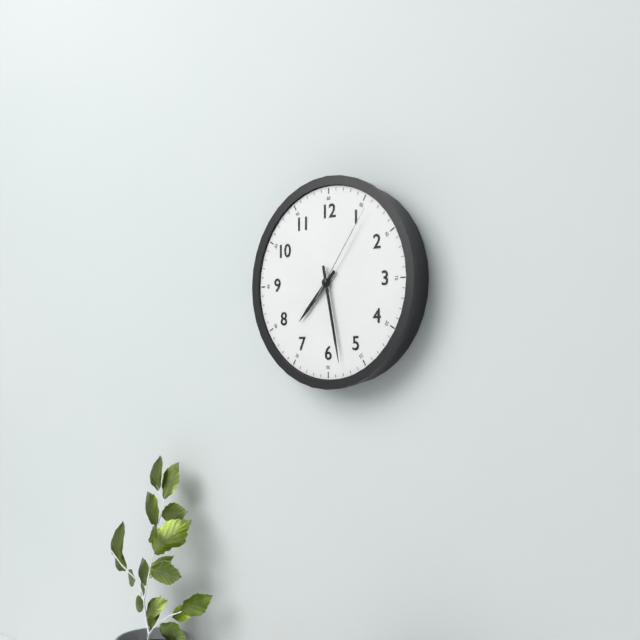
7:28:06
